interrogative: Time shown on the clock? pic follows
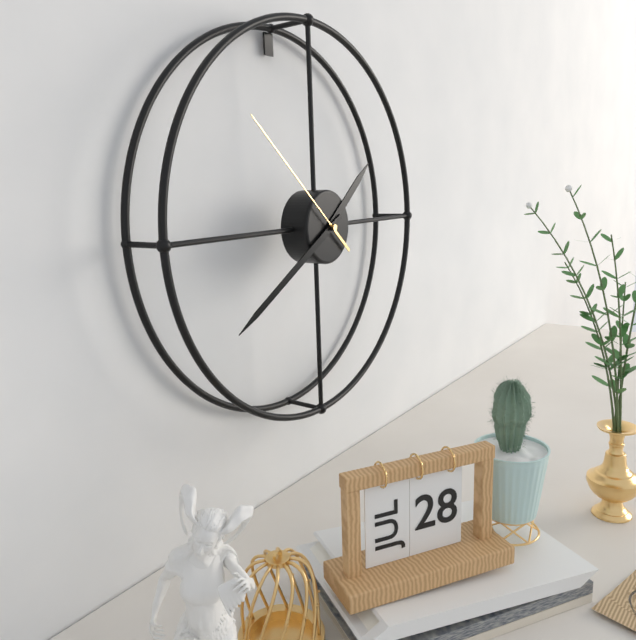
1:40:52
